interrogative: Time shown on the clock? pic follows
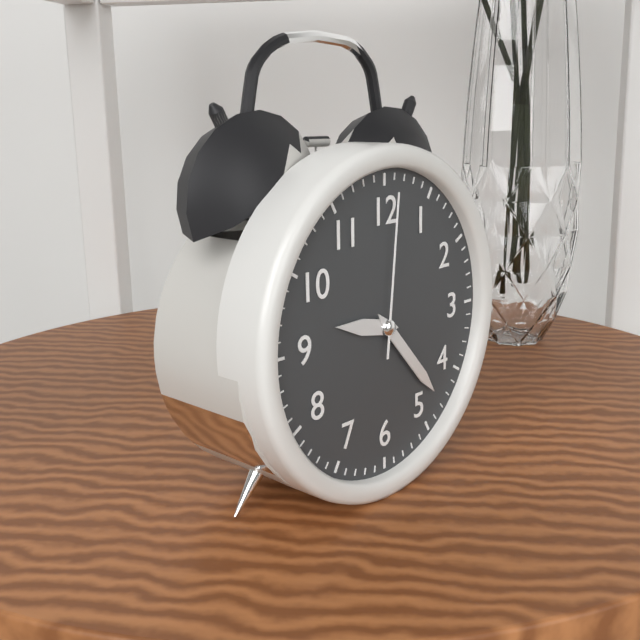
9:23:01
